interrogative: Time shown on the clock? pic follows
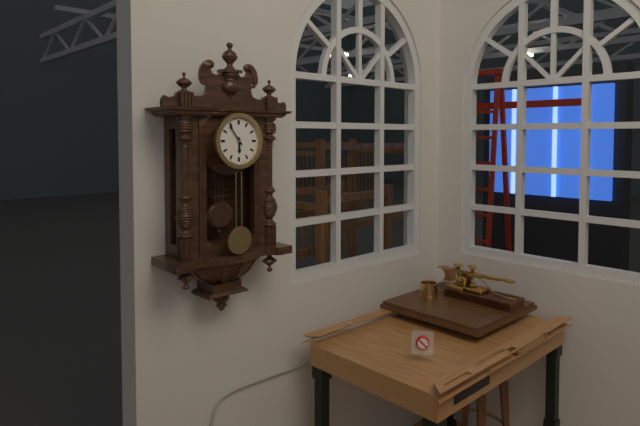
5:54
